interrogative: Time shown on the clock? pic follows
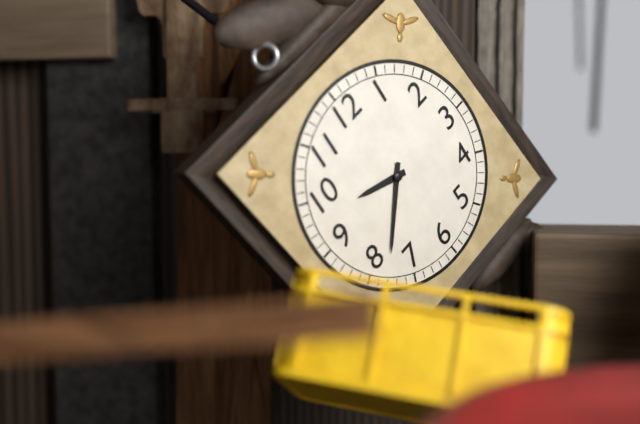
9:38
